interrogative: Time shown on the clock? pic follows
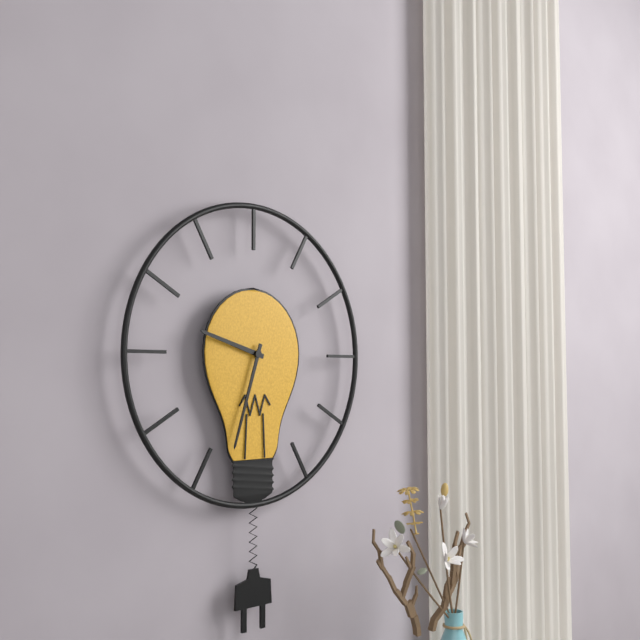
9:33
